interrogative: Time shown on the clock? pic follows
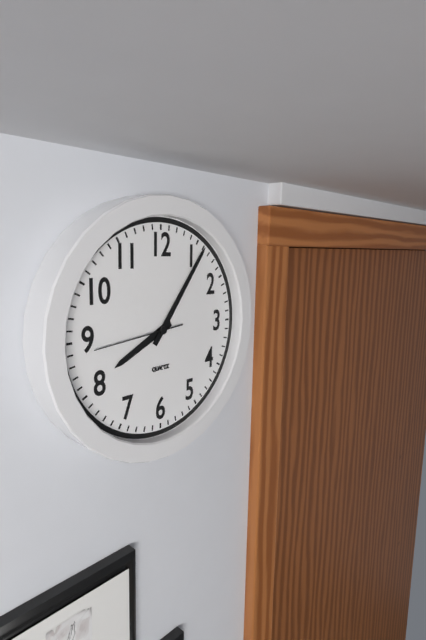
8:06:44
